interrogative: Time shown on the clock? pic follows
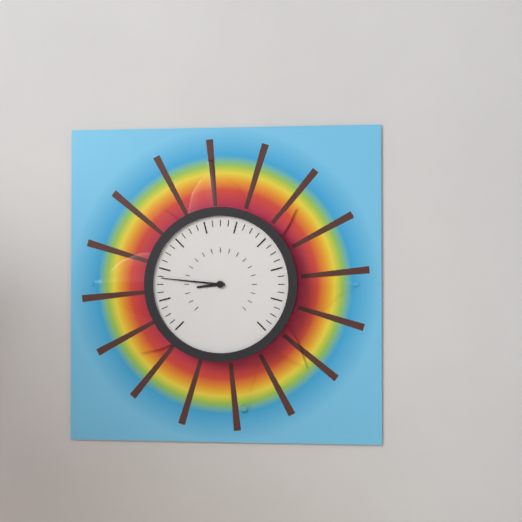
8:46
